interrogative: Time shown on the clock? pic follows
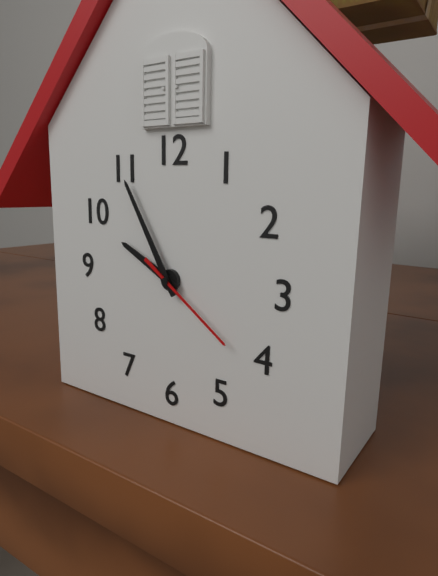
9:55:21
